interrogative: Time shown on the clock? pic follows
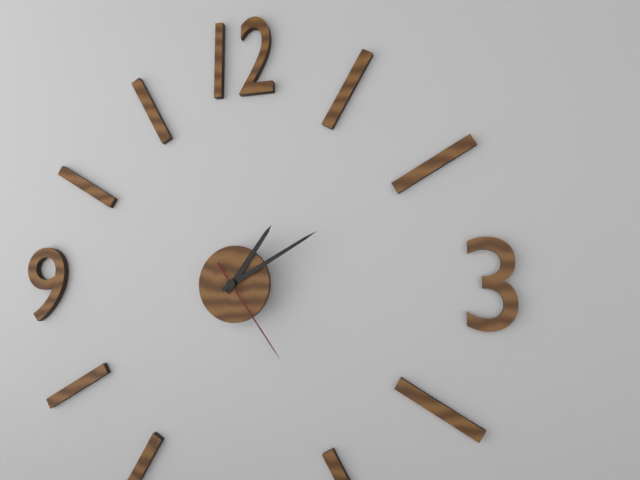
1:10:24
